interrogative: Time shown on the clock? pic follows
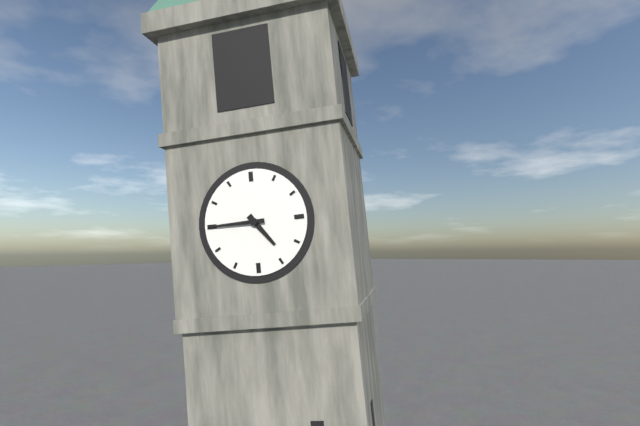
4:45
